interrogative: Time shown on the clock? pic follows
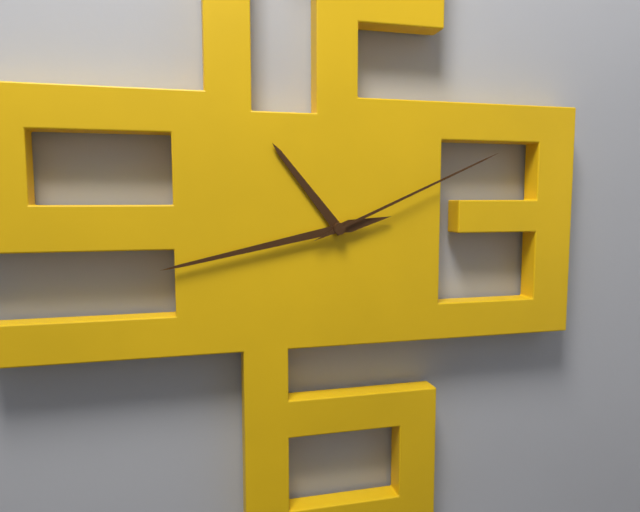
10:43:11
